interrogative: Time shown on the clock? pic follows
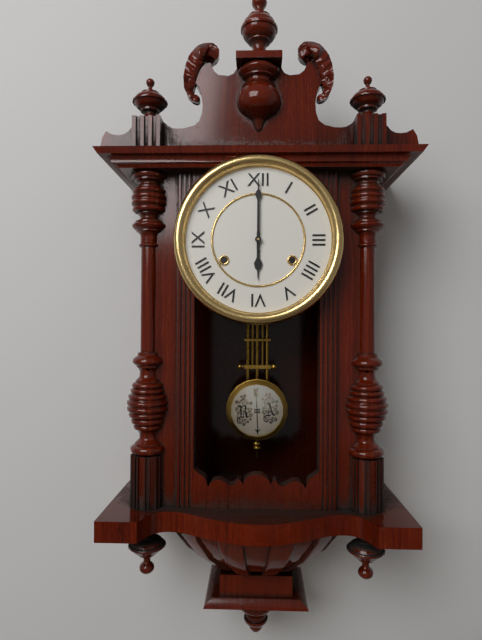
6:00
